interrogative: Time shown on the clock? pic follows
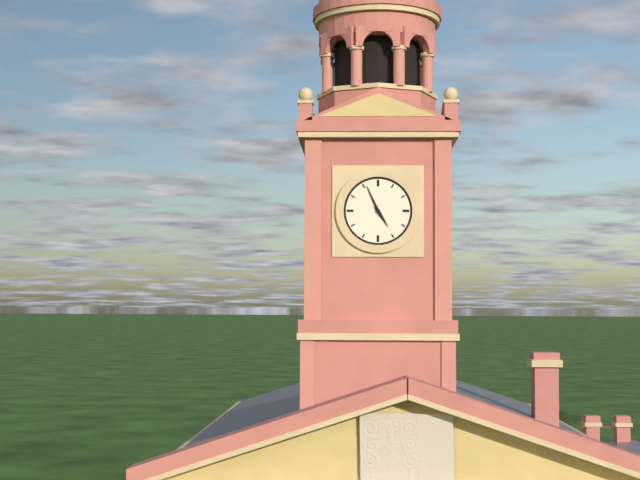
4:56
